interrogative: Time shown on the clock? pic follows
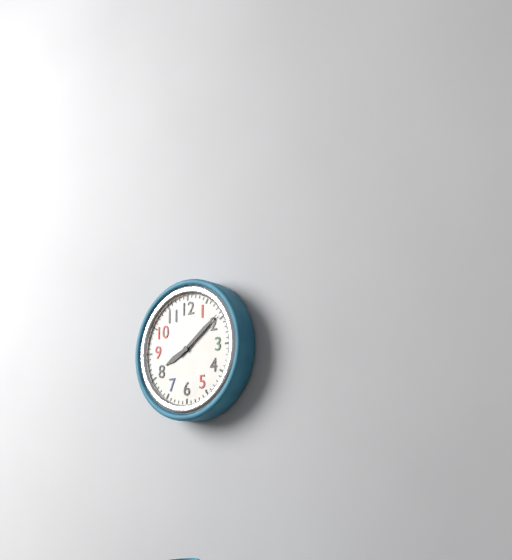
8:09
